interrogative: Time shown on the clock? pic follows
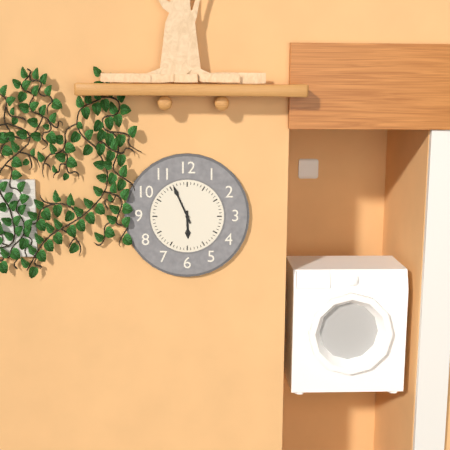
5:56
